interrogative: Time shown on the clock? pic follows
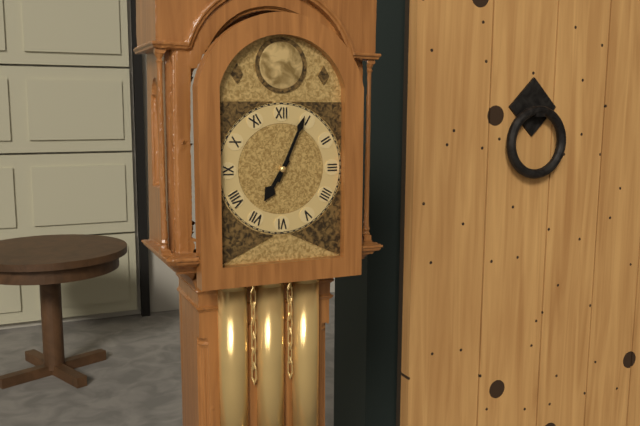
7:04
